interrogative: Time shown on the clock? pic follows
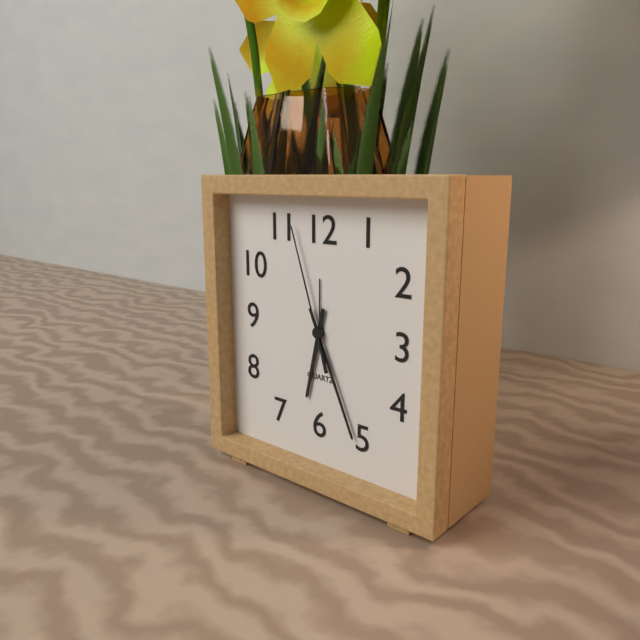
6:26:57
